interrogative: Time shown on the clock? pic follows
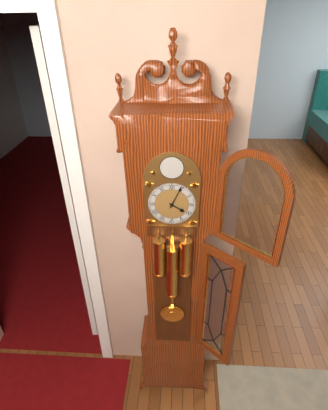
4:04
